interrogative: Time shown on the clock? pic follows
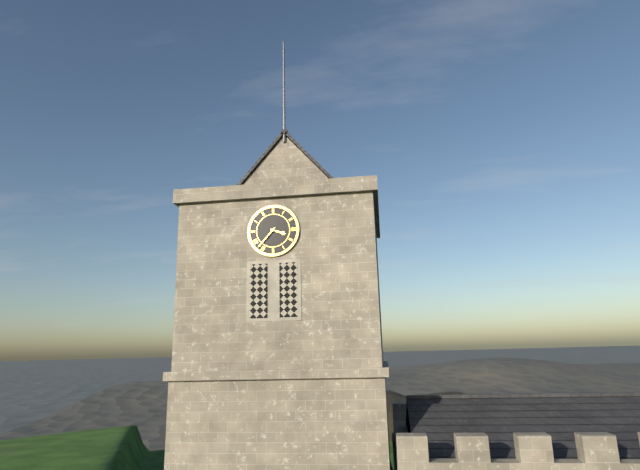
3:37
